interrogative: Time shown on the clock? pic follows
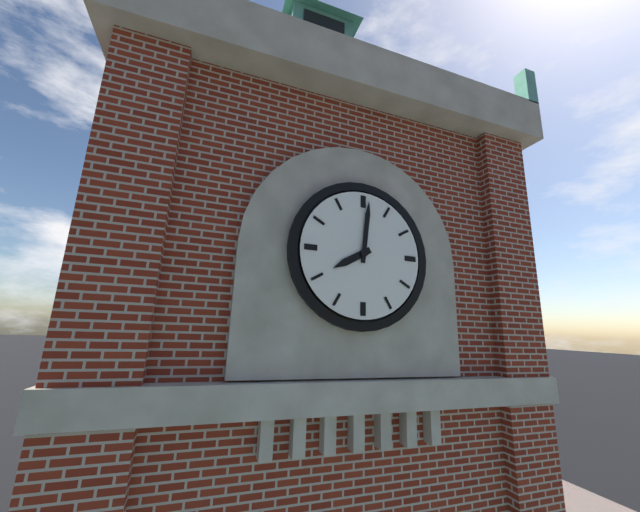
8:01
